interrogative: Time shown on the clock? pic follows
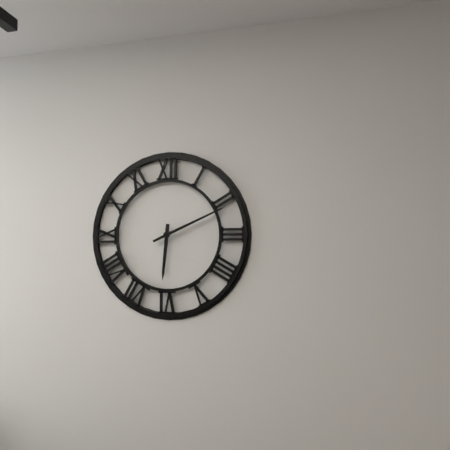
6:11
